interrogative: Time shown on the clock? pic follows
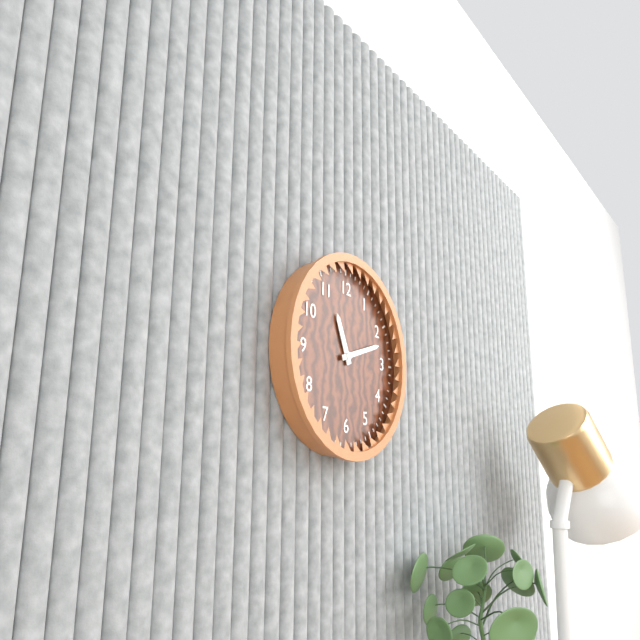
11:12
